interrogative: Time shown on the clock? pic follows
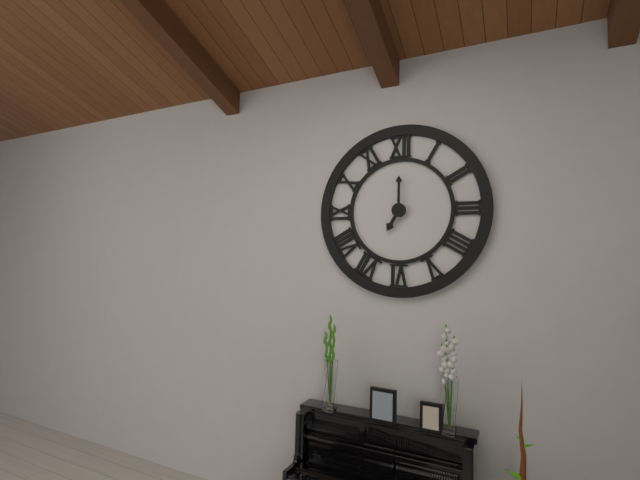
7:00
